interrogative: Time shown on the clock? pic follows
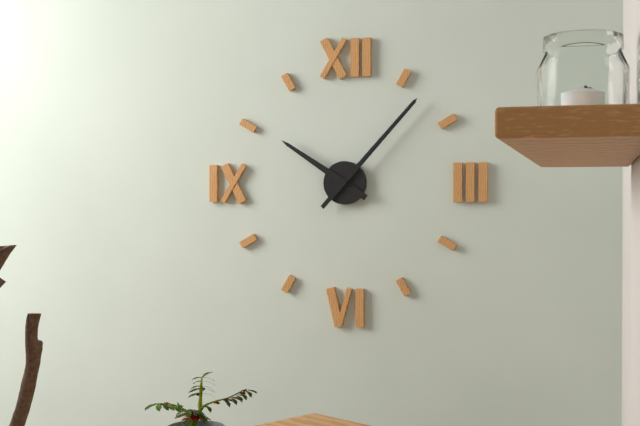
10:07
